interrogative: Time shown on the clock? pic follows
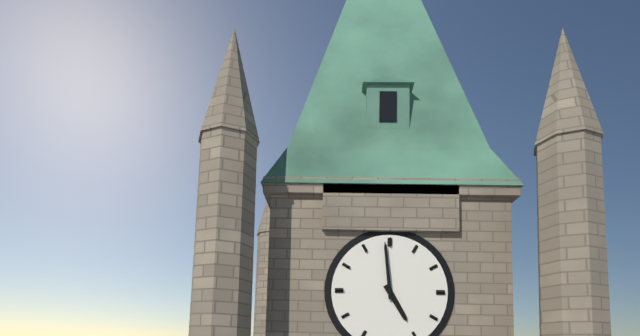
4:59
